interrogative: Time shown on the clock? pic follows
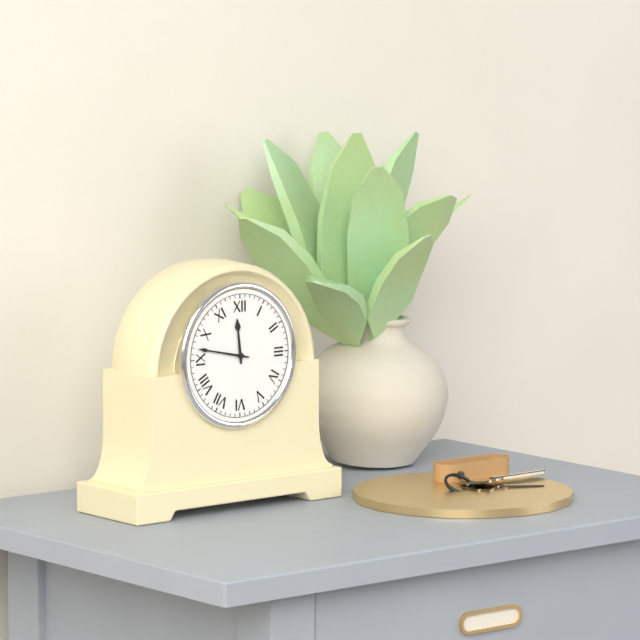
11:47
